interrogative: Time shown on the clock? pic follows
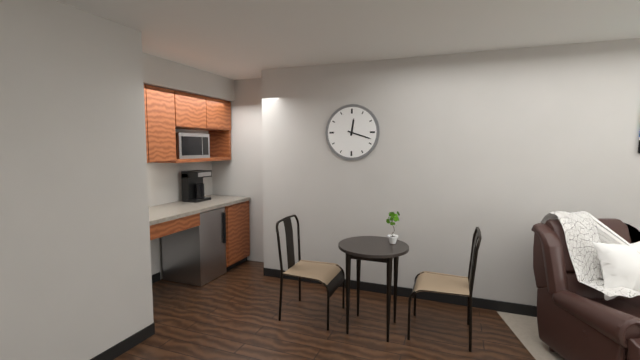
12:18
